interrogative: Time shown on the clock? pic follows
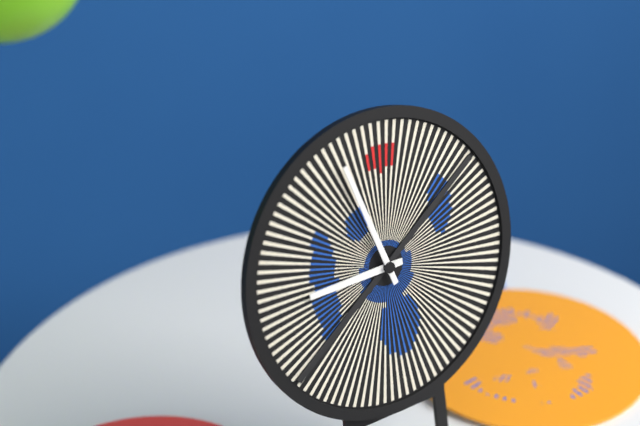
8:57
